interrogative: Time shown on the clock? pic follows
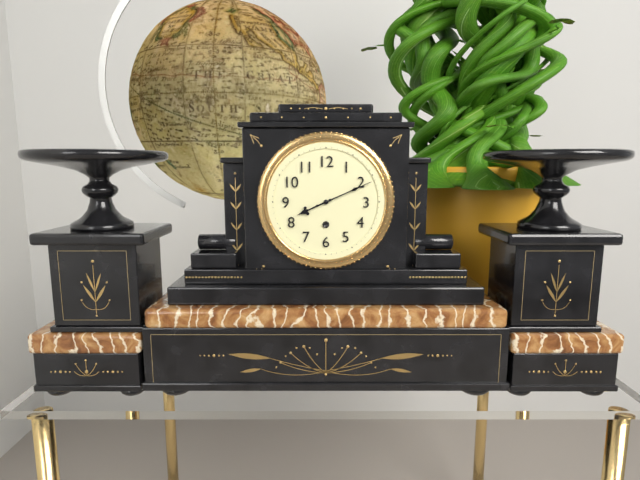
8:11
